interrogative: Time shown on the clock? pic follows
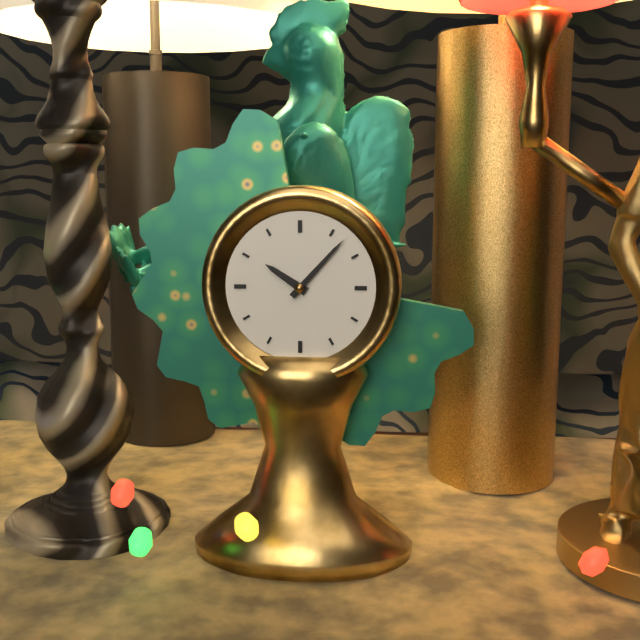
10:07
